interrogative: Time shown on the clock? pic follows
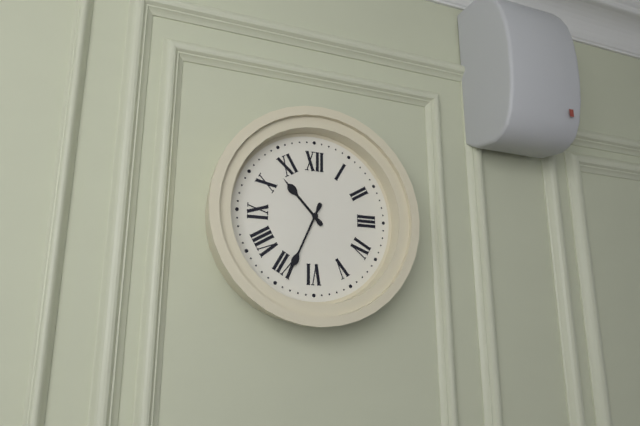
10:34
